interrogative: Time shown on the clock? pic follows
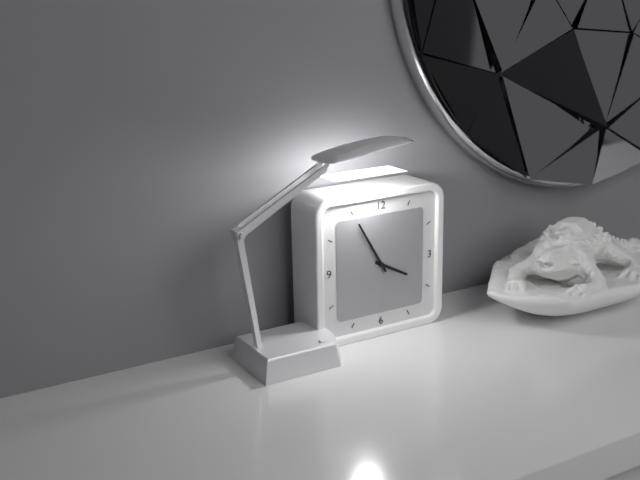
3:55
